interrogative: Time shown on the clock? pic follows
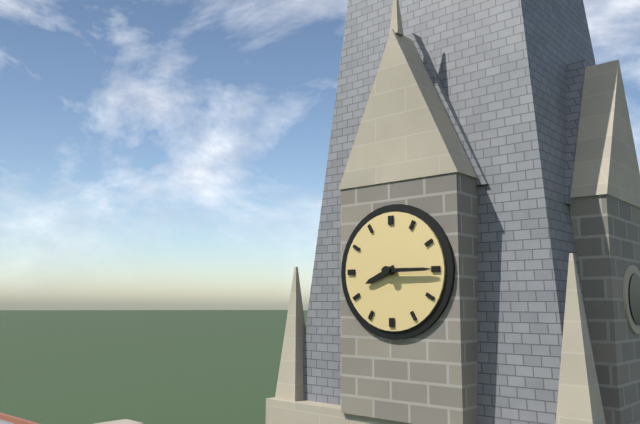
8:15
